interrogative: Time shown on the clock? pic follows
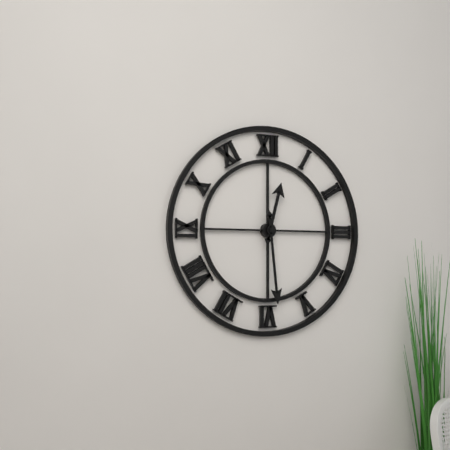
12:29
